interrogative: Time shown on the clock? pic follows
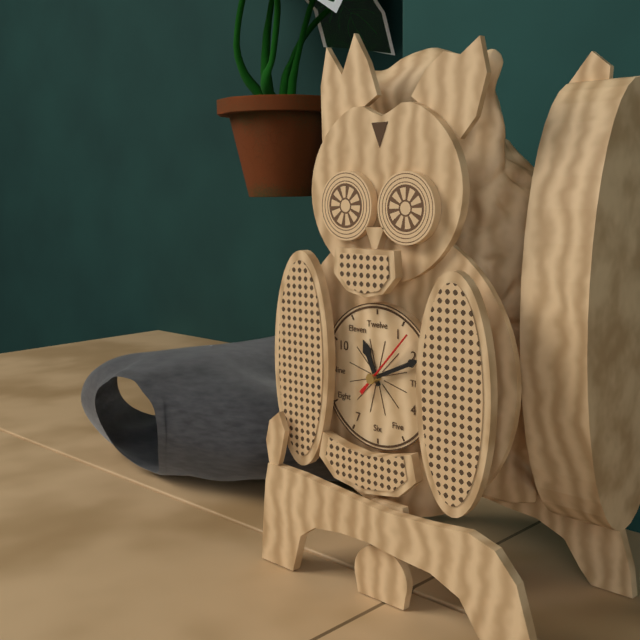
11:11:07
